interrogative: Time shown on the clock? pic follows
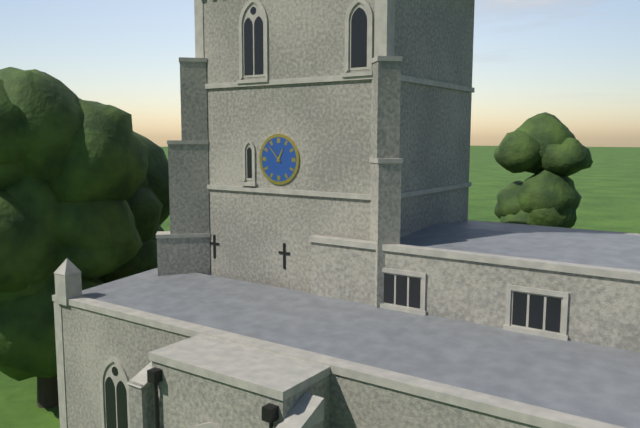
12:53
